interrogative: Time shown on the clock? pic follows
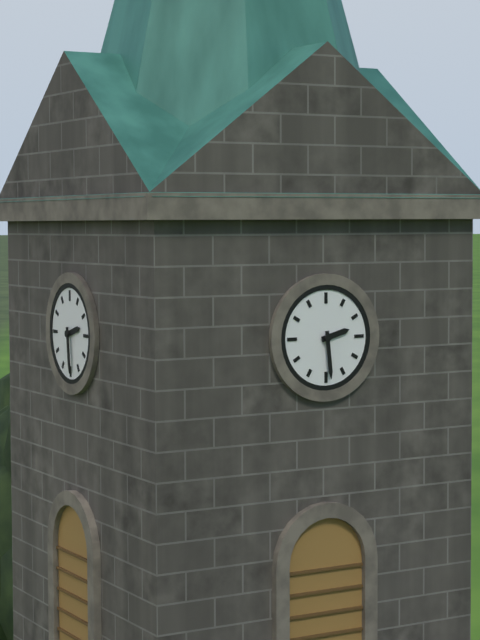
2:29
